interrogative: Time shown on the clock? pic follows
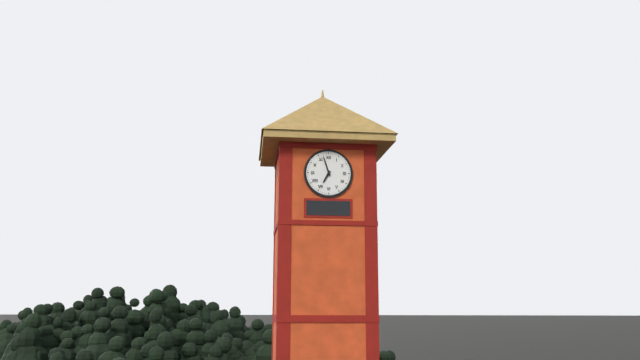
6:57
